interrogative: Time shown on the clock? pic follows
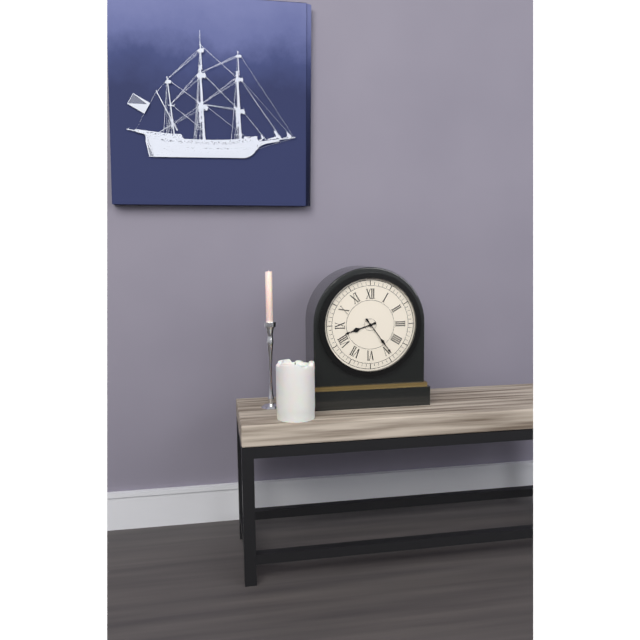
8:24
